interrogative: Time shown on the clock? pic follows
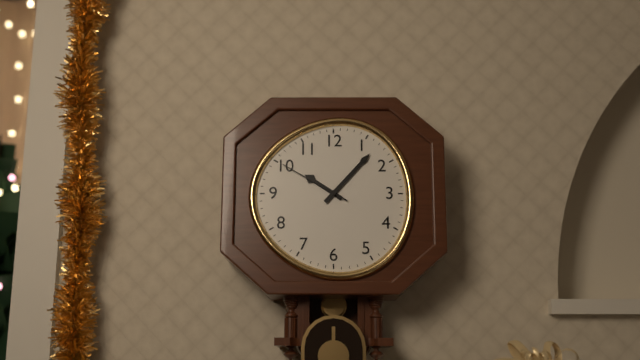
10:07:50
